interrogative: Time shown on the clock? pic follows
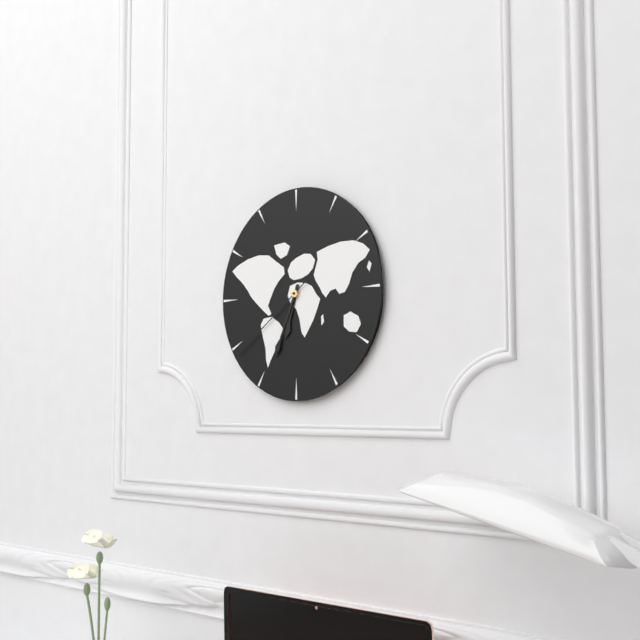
6:34:39
